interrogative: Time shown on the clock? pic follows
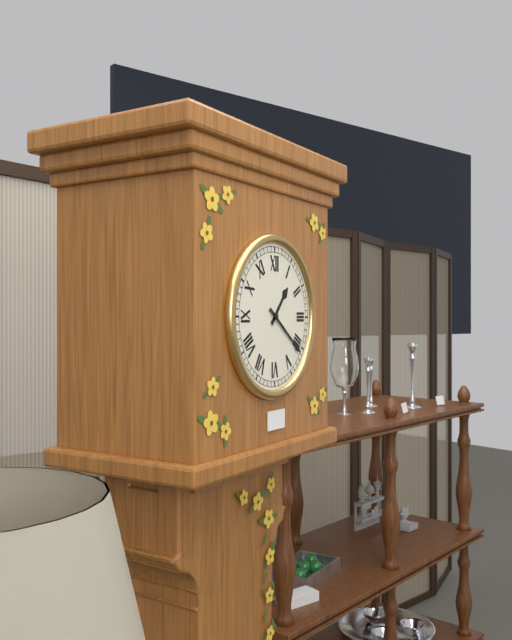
1:21
